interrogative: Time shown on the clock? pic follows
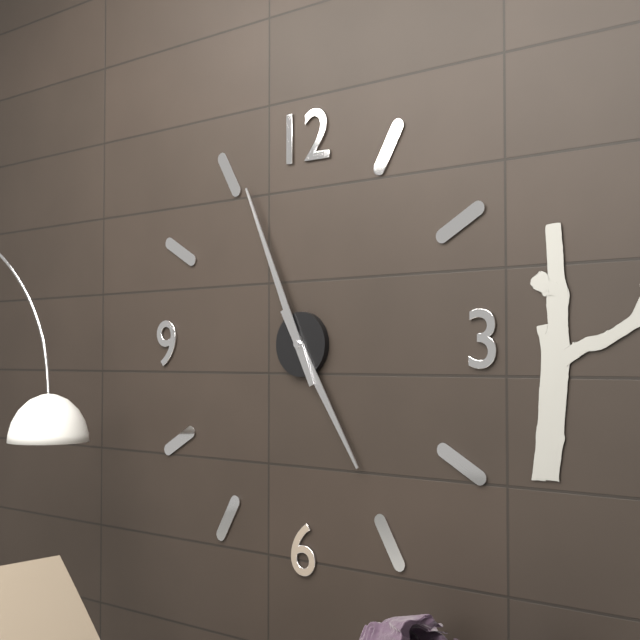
4:56
